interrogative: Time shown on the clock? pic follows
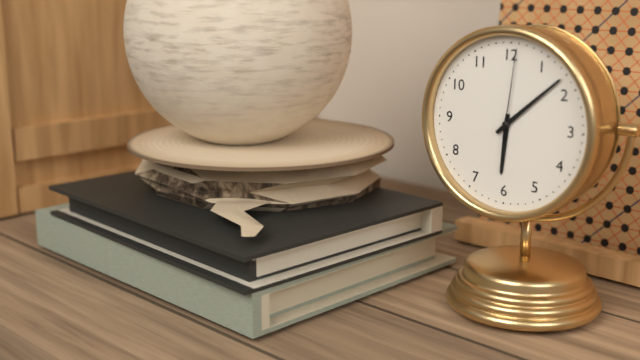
6:08:01
